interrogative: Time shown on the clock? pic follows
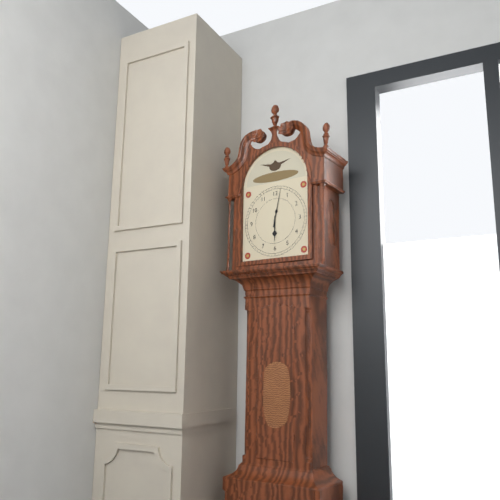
6:02
